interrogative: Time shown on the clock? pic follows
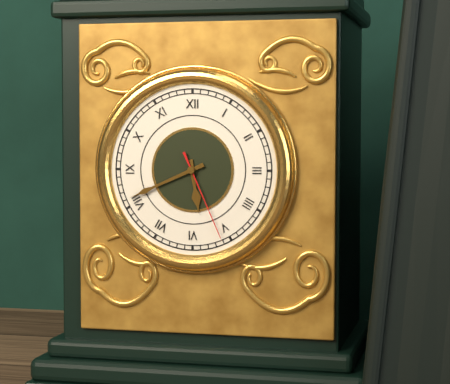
5:41:26
